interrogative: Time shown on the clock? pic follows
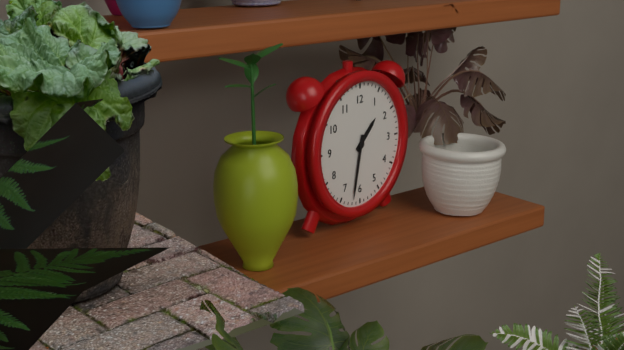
1:32
